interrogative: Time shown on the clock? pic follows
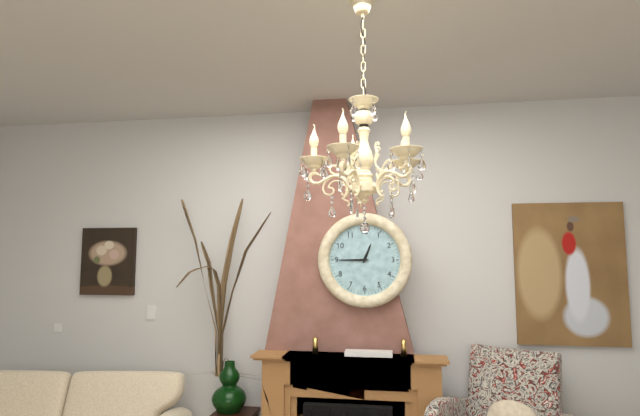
12:45
